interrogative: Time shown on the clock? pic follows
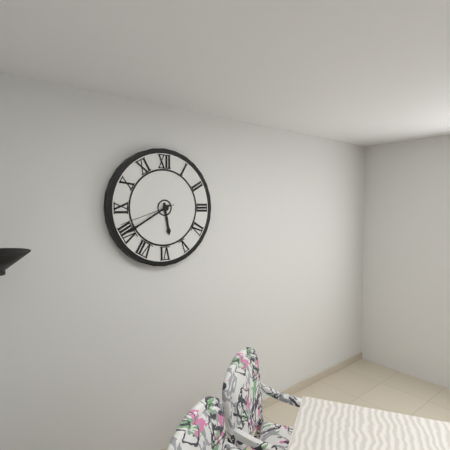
5:40:42
